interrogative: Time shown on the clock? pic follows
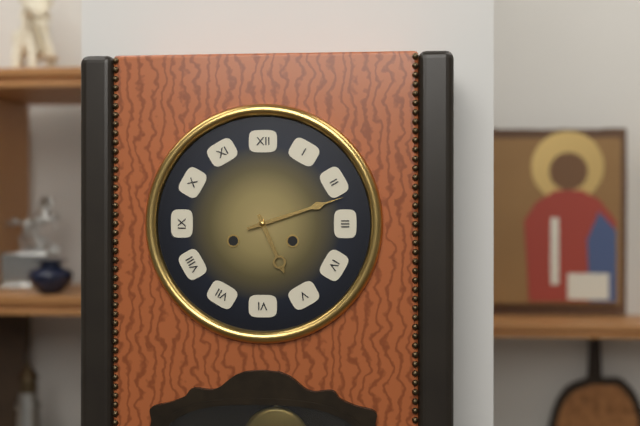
5:12
